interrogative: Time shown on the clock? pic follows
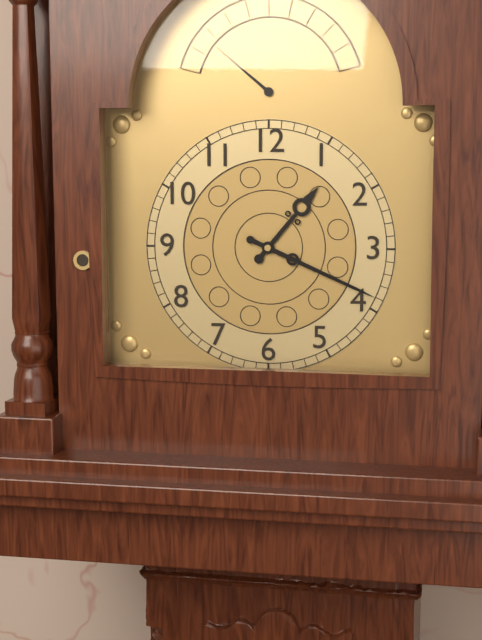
1:19
